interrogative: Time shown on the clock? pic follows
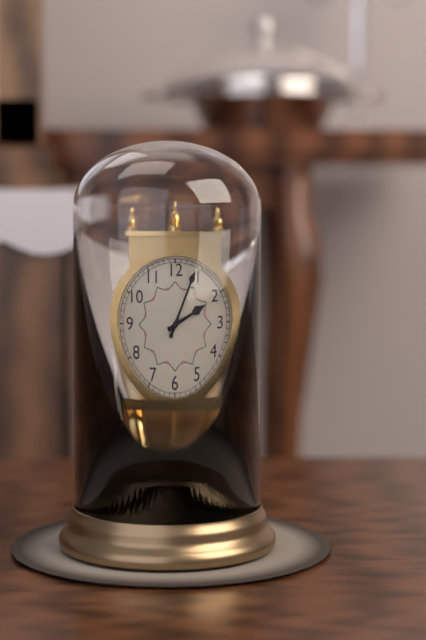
2:04
